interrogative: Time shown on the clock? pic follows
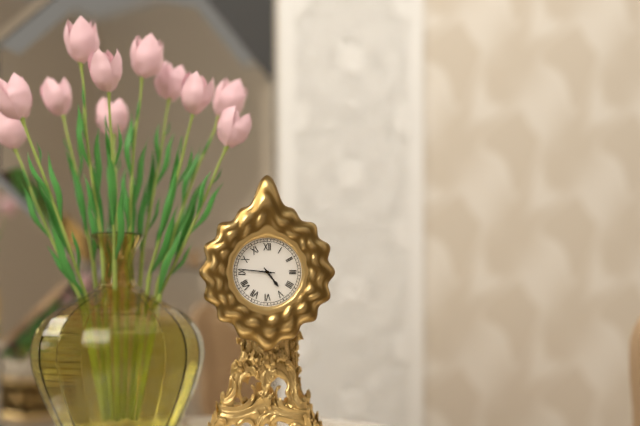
4:46
